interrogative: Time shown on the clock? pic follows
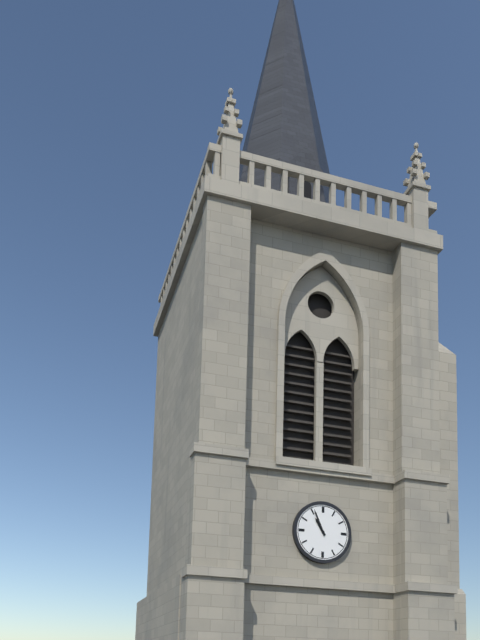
10:56
